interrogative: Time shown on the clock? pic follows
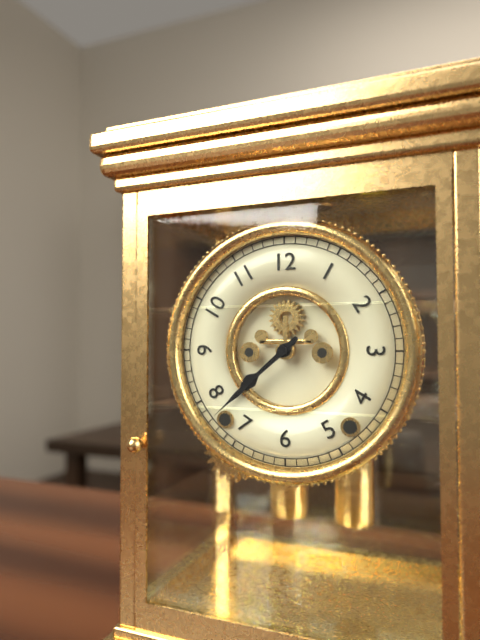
7:38
